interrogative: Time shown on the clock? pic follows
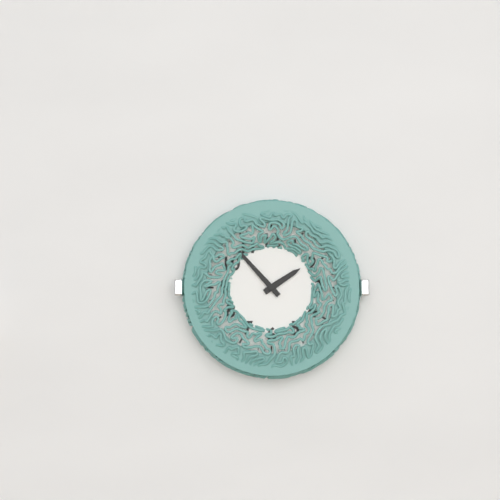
1:53
